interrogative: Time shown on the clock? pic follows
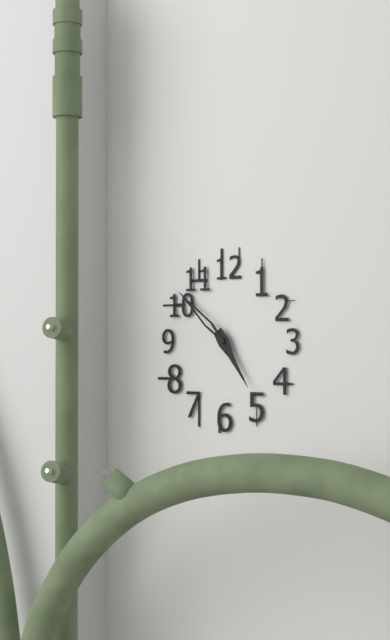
4:52
